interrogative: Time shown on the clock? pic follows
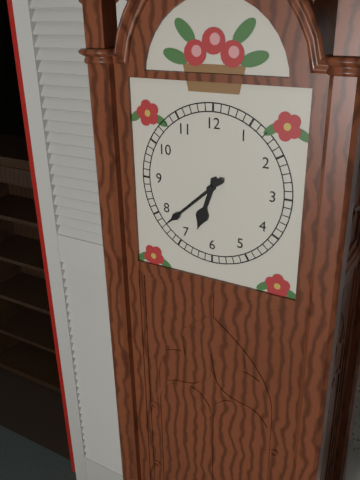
6:38
